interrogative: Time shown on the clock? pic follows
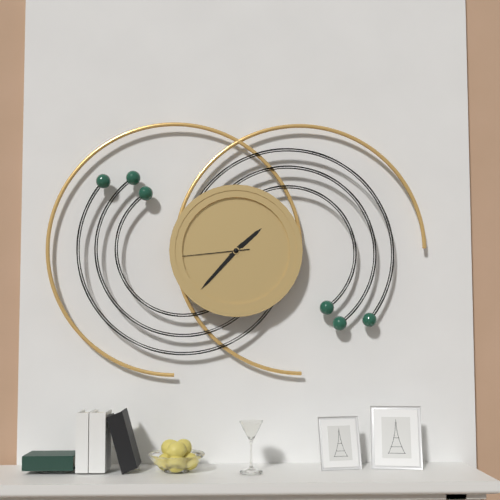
1:37:44
